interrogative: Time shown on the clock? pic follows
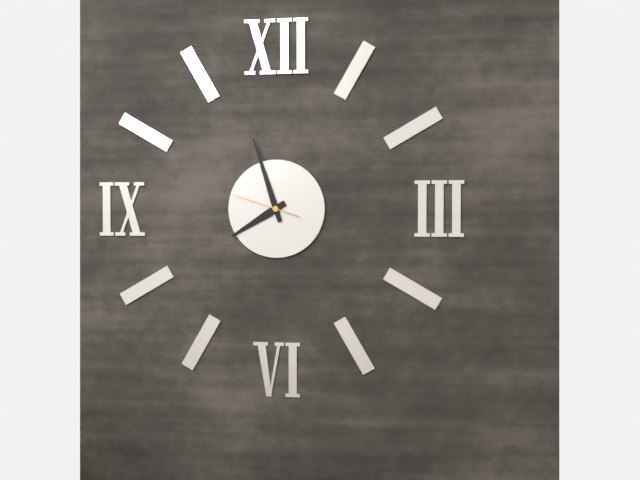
7:57:48
